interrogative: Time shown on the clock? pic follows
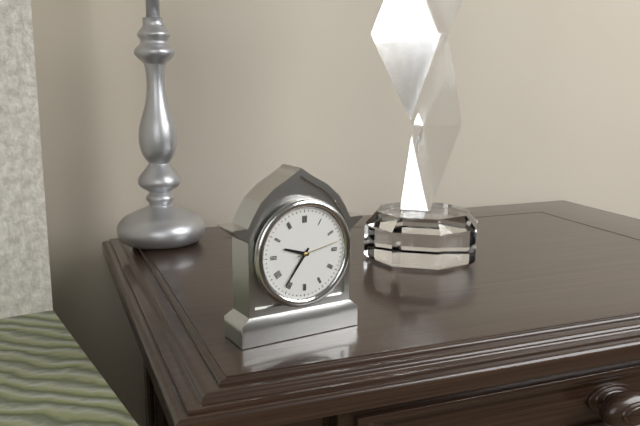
9:36
